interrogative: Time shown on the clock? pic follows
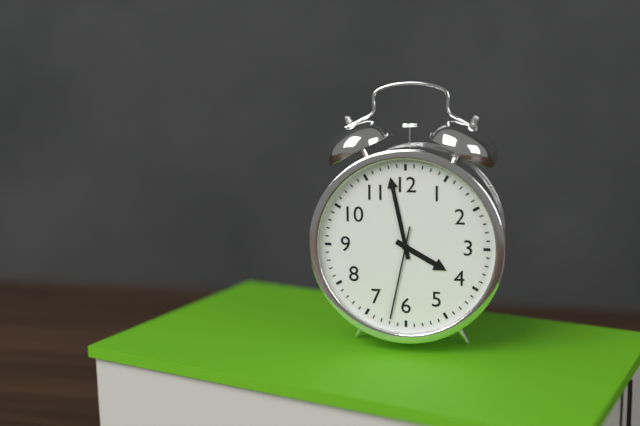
3:58:32
